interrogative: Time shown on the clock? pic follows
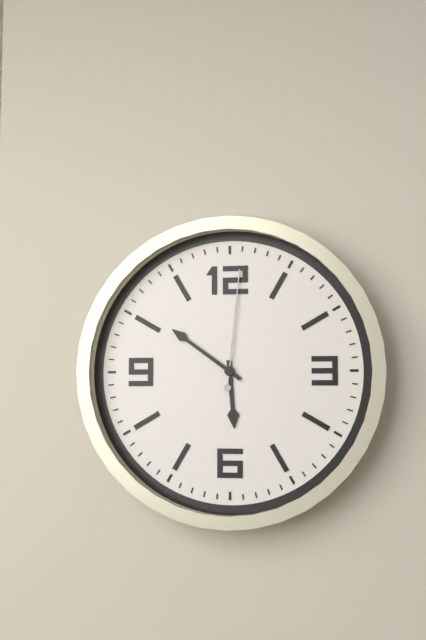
5:51:01
